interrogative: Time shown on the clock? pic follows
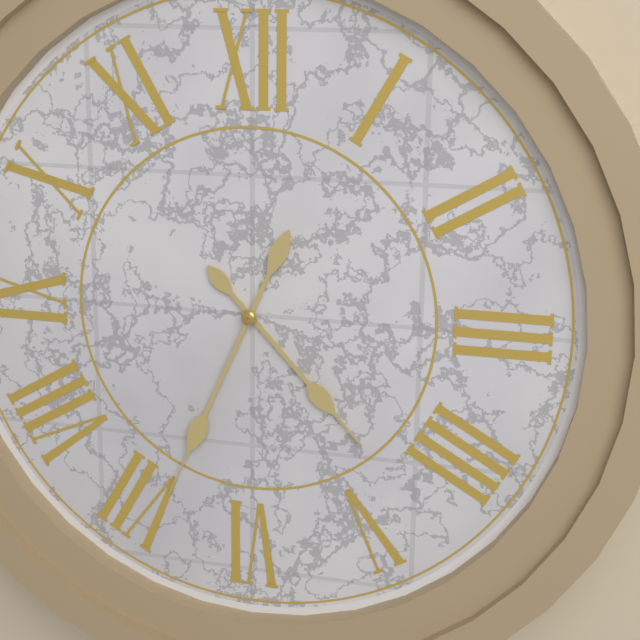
4:34
